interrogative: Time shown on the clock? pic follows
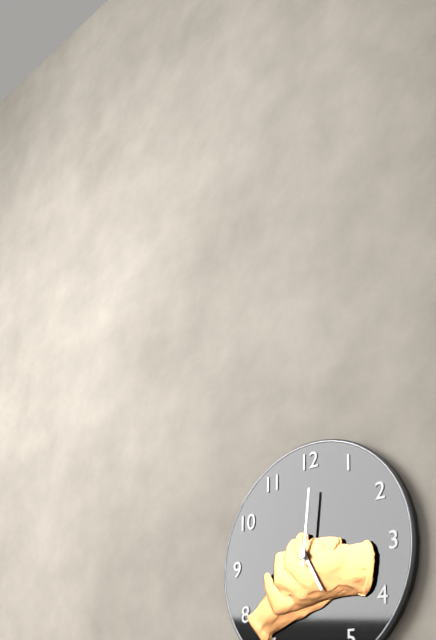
5:01
